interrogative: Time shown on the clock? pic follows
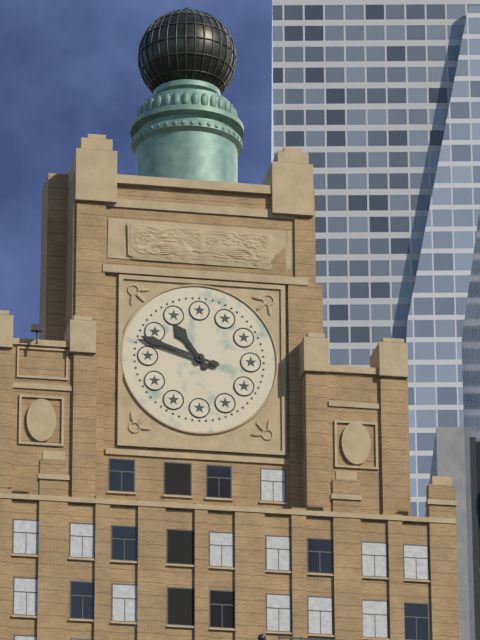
10:48
